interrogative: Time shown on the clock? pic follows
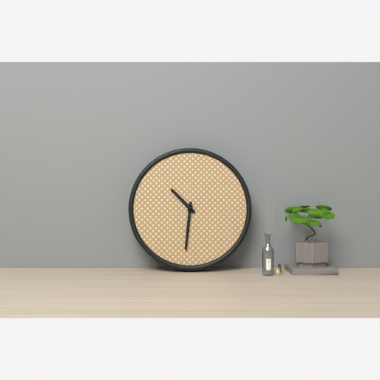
10:31
